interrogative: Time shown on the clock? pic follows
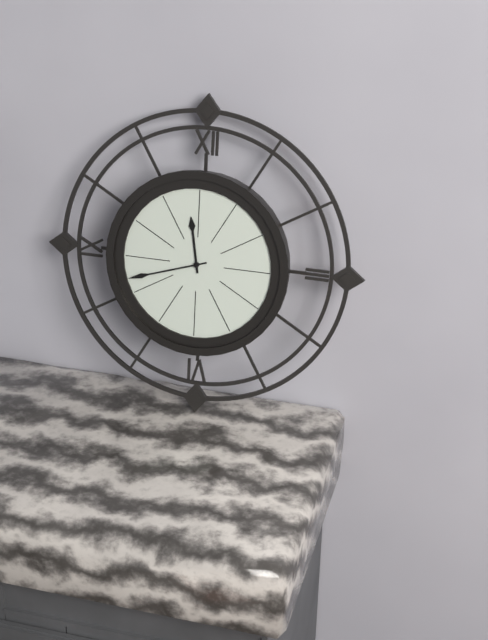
11:42
